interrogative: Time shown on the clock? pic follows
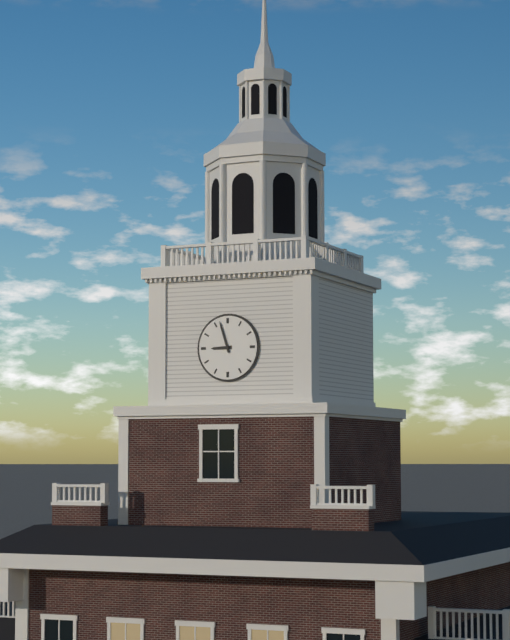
8:57
